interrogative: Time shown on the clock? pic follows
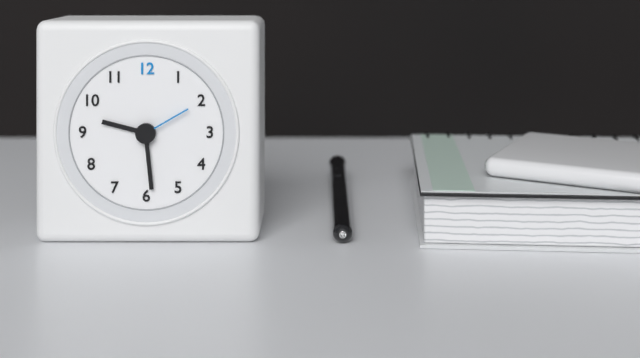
9:29:10
